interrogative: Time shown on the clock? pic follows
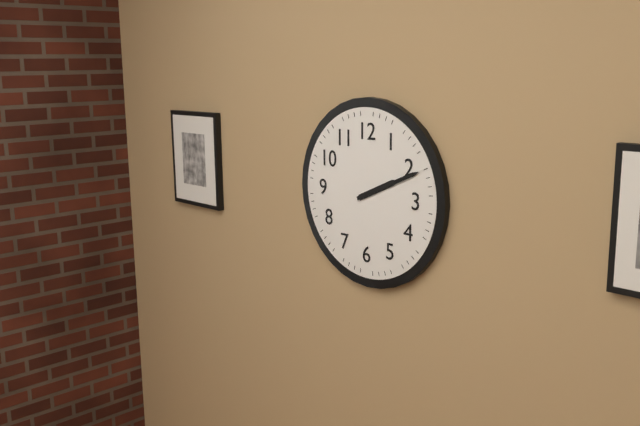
2:11
